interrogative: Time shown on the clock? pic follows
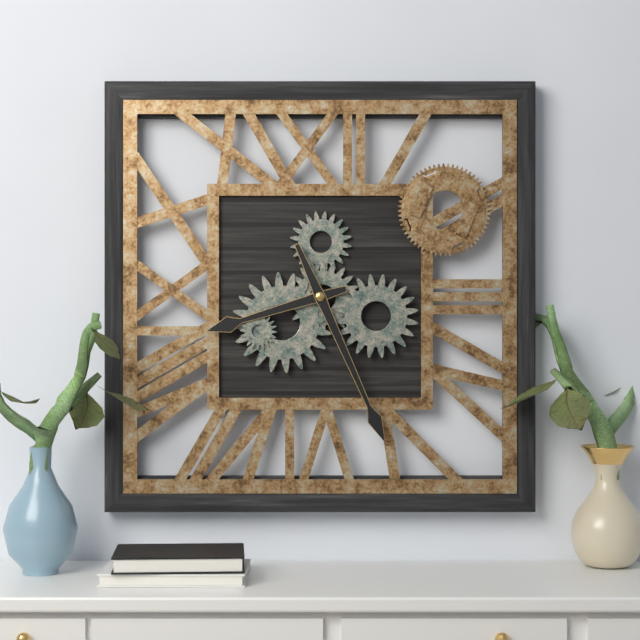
8:26
